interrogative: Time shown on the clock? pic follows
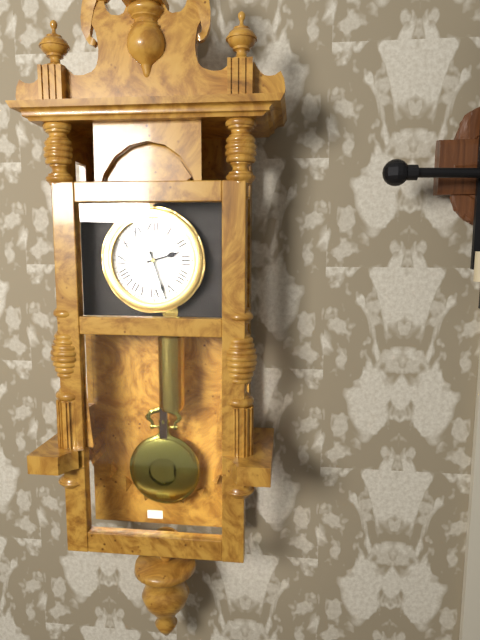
2:27
